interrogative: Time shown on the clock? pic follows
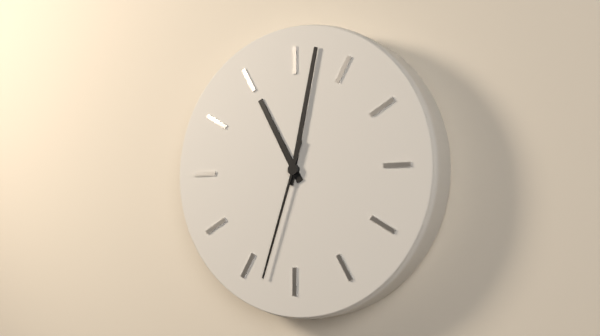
11:02:33
